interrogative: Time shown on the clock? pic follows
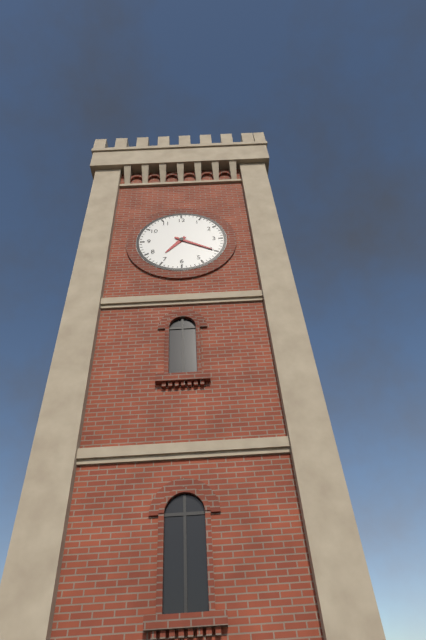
7:20
